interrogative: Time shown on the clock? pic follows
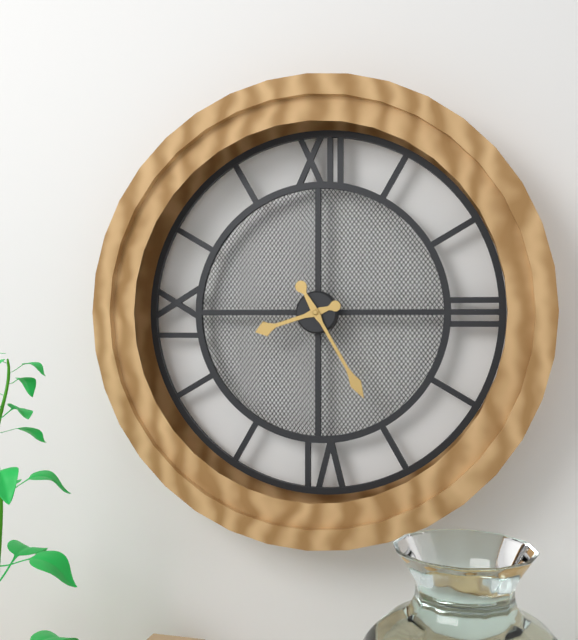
8:25
